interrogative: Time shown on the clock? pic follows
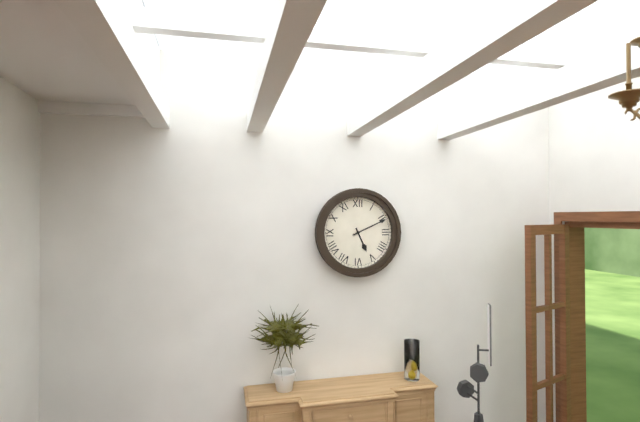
5:11
